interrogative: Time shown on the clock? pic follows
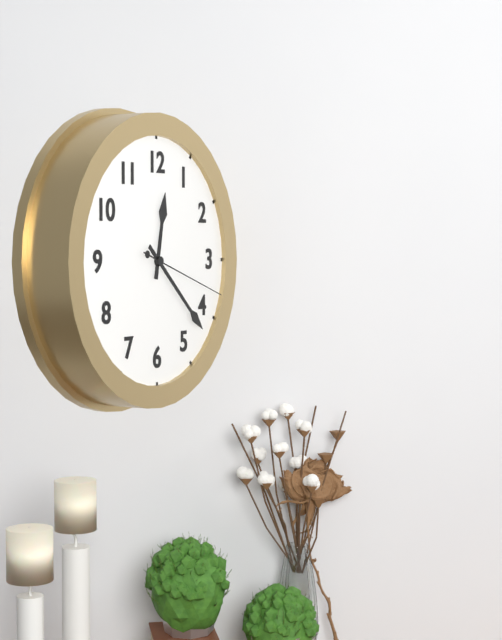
12:22:18
